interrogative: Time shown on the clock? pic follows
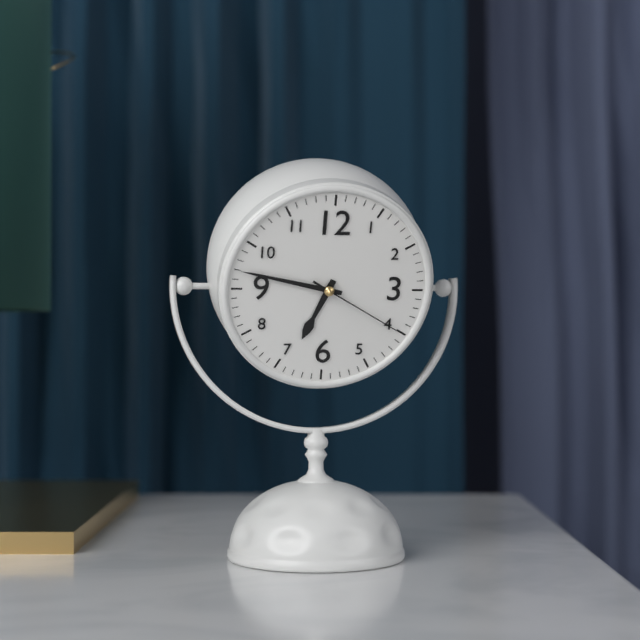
6:47:20
